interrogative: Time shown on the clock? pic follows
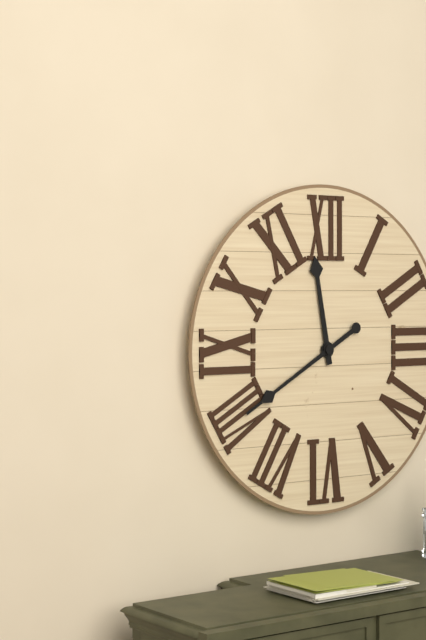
11:40
